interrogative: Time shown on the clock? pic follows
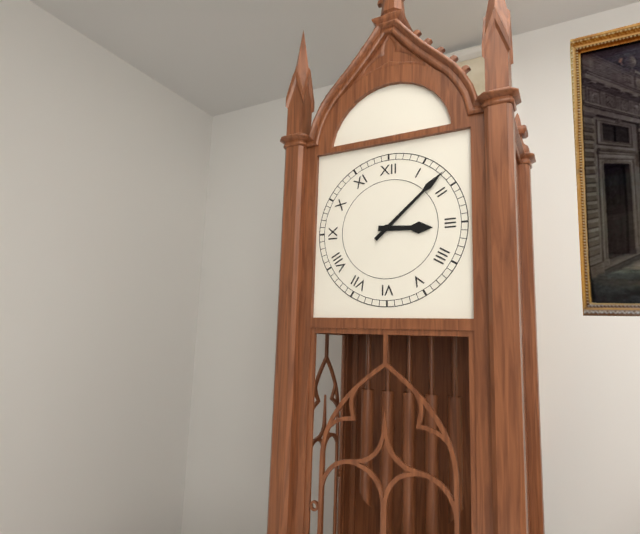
3:08
